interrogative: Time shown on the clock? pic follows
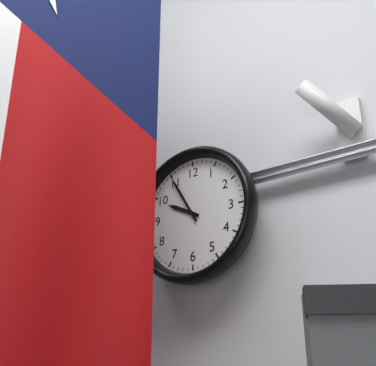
9:55
